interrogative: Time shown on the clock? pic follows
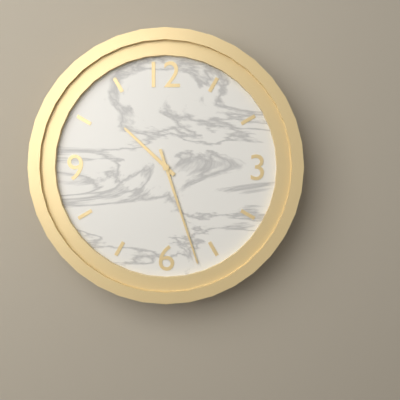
10:27
